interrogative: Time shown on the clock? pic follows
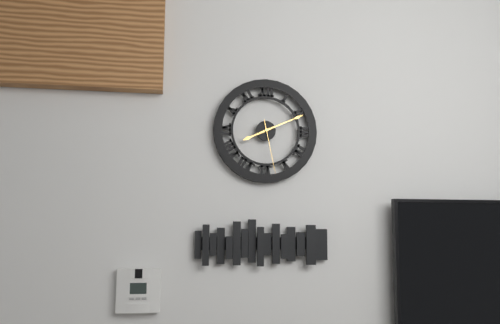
8:11:28
